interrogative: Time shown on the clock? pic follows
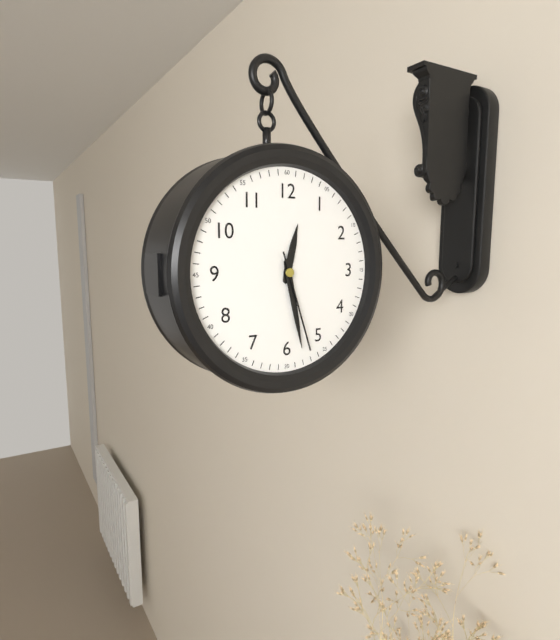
12:28:27
